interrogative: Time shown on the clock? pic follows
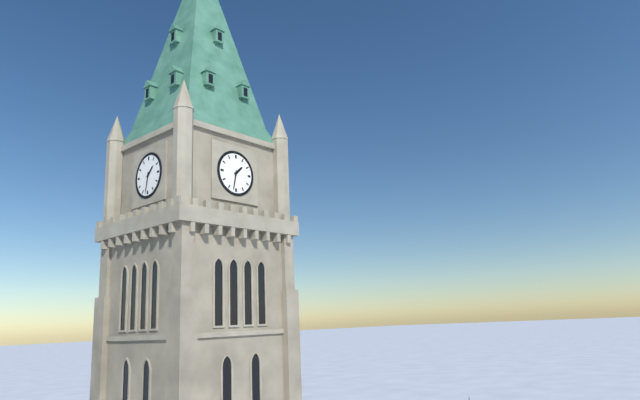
1:32
